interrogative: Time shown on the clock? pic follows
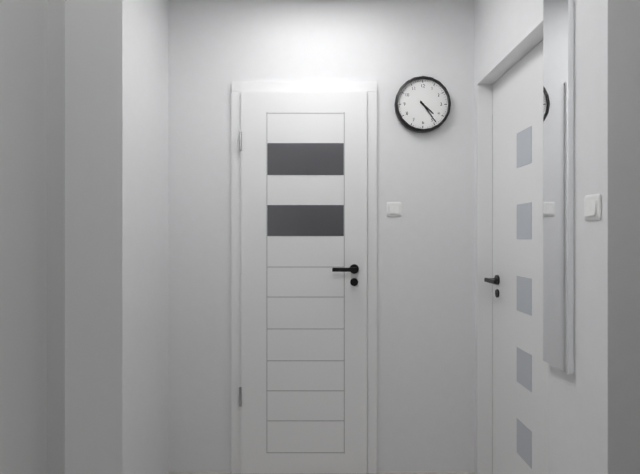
4:24
